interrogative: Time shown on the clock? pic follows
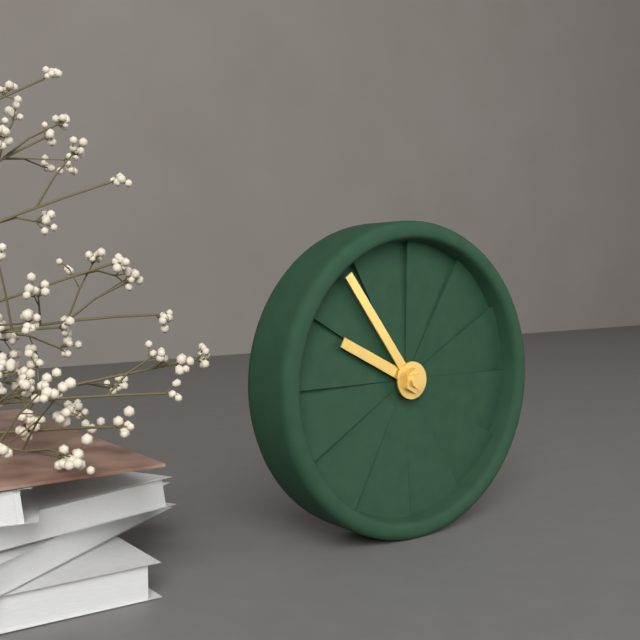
9:54
